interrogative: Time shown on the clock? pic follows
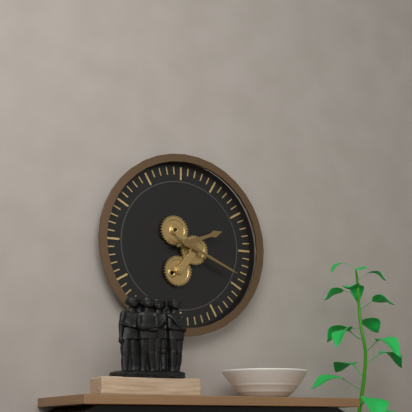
2:19
